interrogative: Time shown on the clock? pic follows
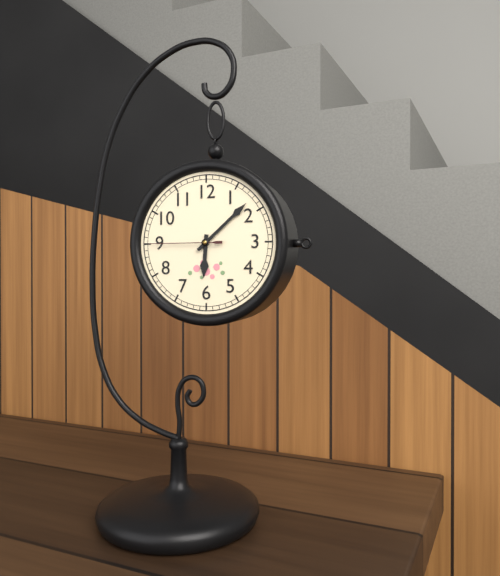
6:08:45
